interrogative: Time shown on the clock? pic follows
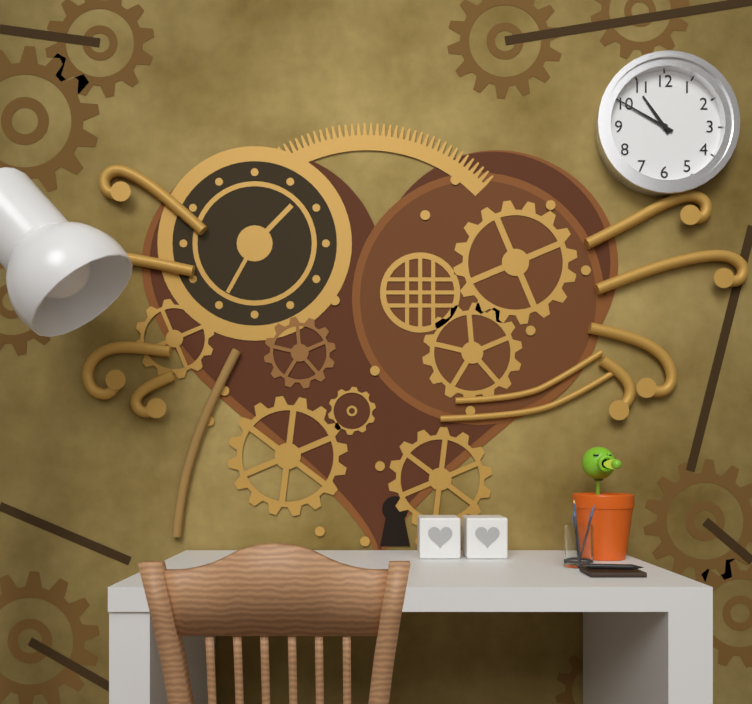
10:50
